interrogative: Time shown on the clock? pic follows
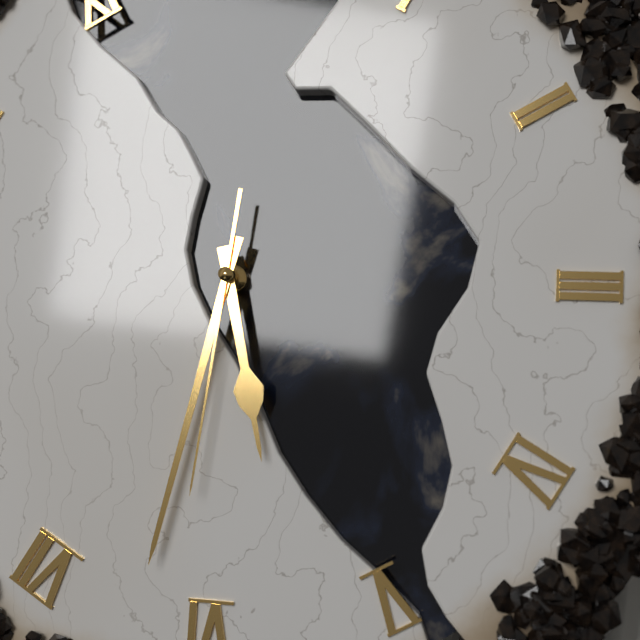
5:32:31
